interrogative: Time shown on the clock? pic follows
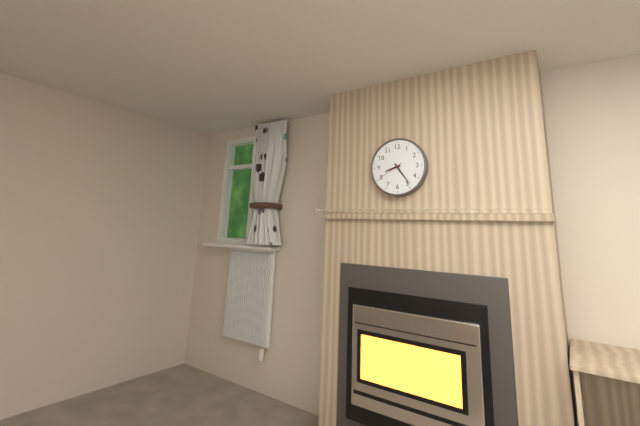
8:24
